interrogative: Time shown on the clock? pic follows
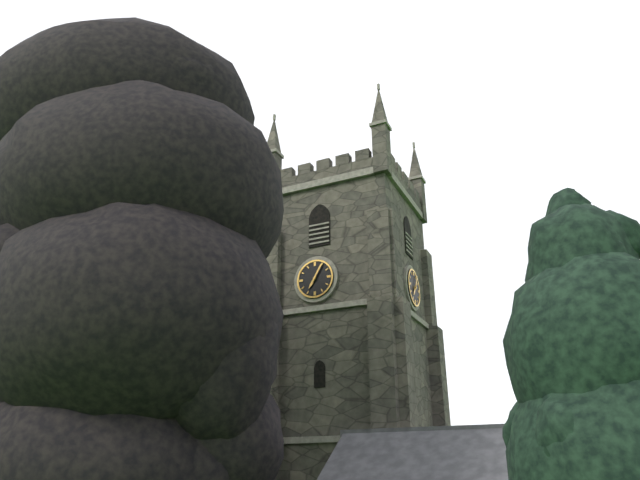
7:05
